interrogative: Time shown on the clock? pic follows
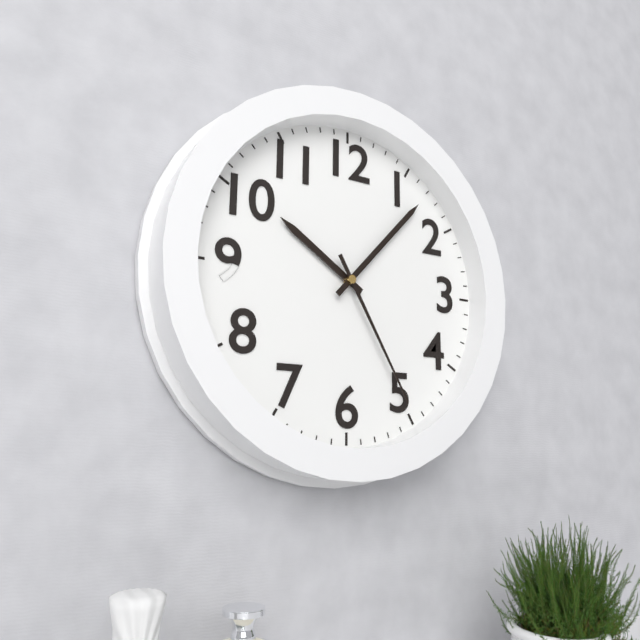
10:07:25
